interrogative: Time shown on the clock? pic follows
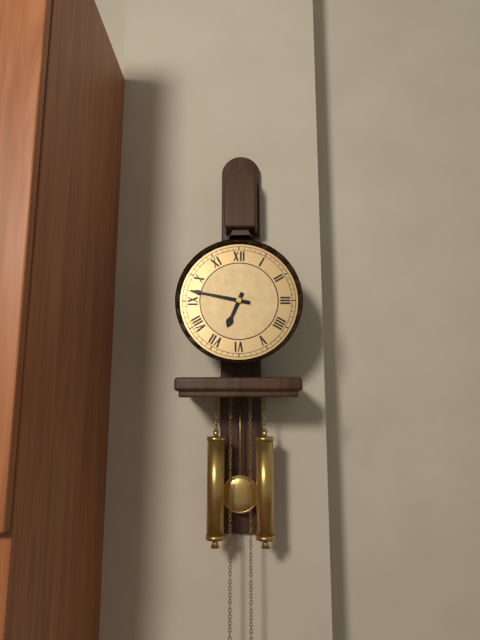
6:47
